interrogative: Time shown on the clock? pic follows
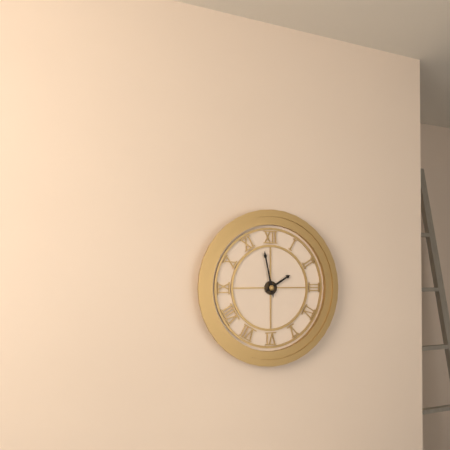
1:58
